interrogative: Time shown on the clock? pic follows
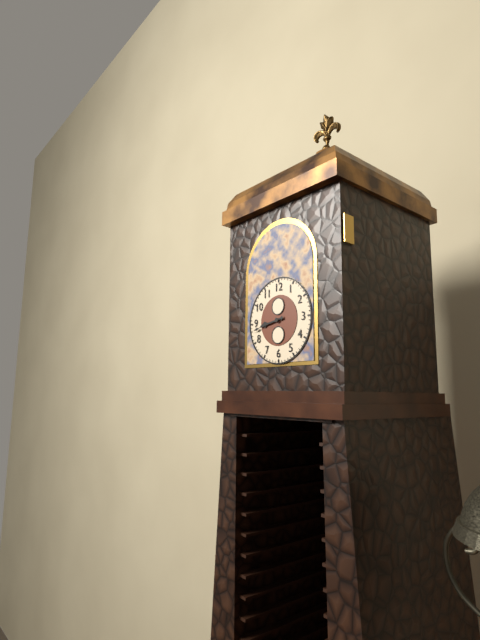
8:43
